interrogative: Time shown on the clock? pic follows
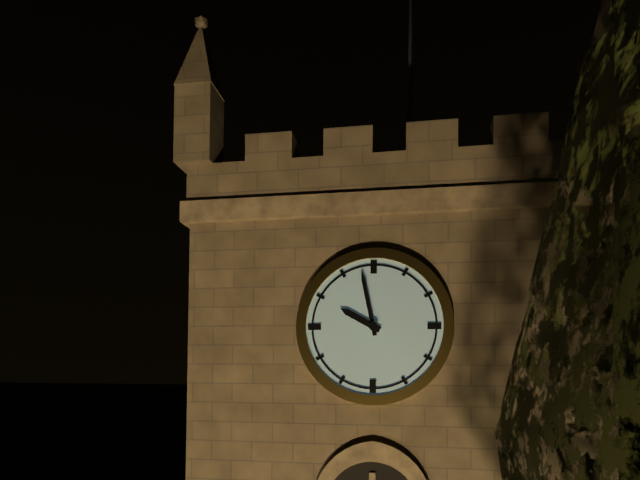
9:58
